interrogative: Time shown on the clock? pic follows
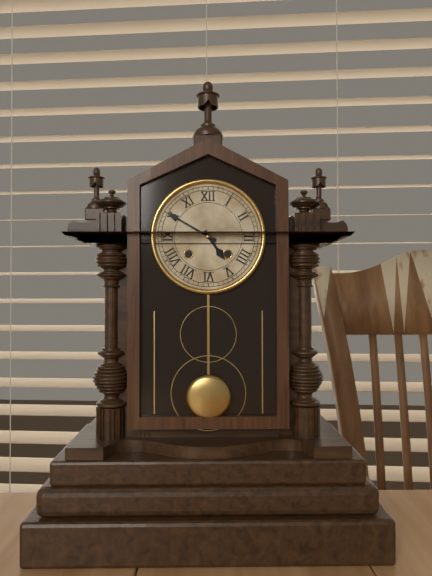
4:50
